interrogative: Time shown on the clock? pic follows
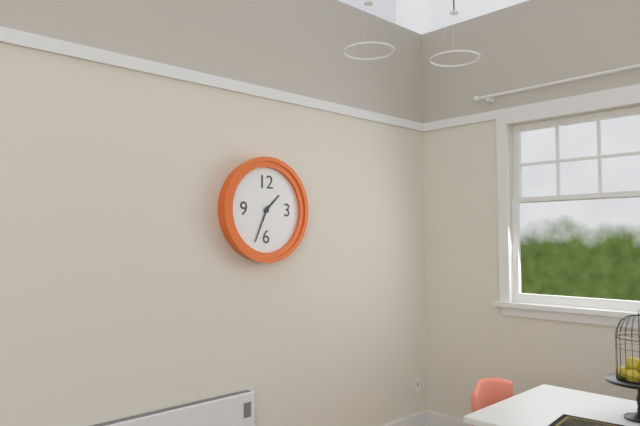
1:34
